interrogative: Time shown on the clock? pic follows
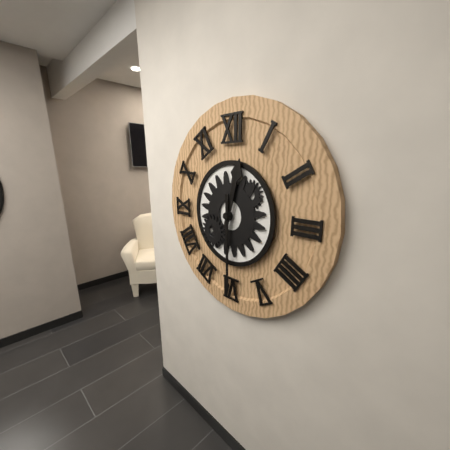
12:30
